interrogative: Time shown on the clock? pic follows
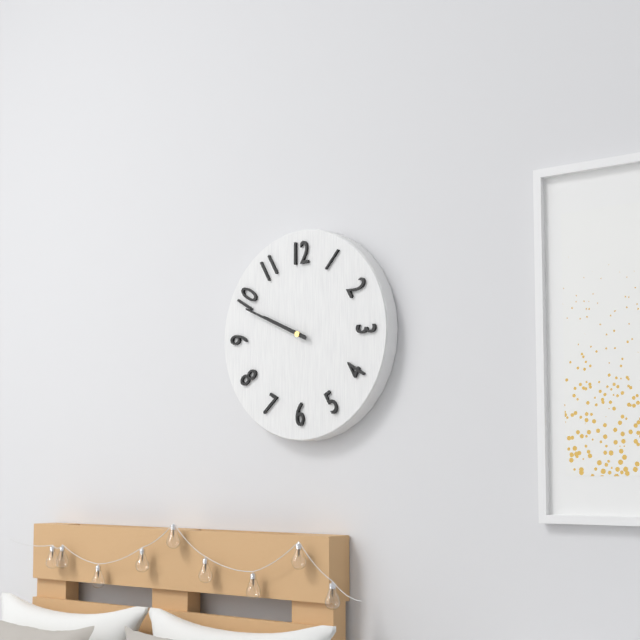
9:49
